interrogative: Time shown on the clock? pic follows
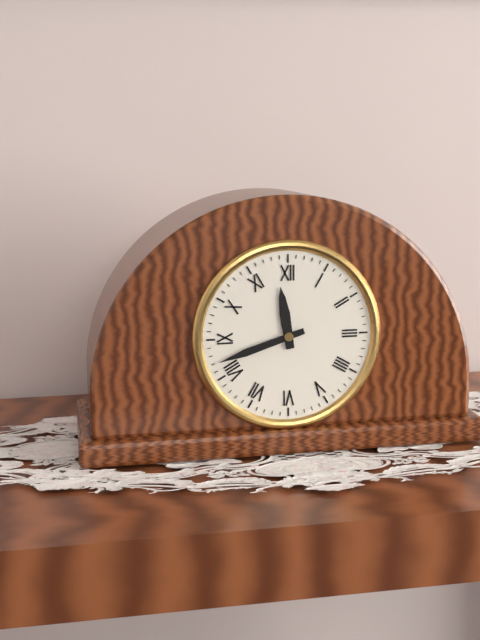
11:42
